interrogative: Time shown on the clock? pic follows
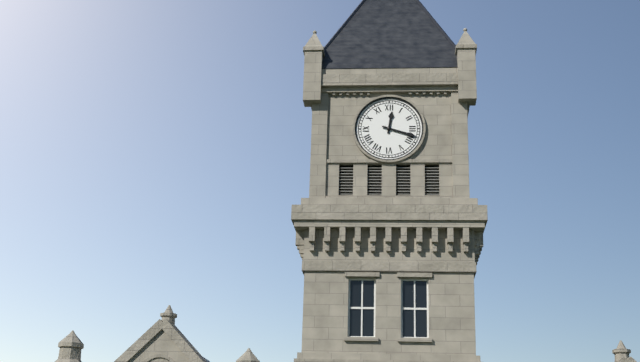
12:18
